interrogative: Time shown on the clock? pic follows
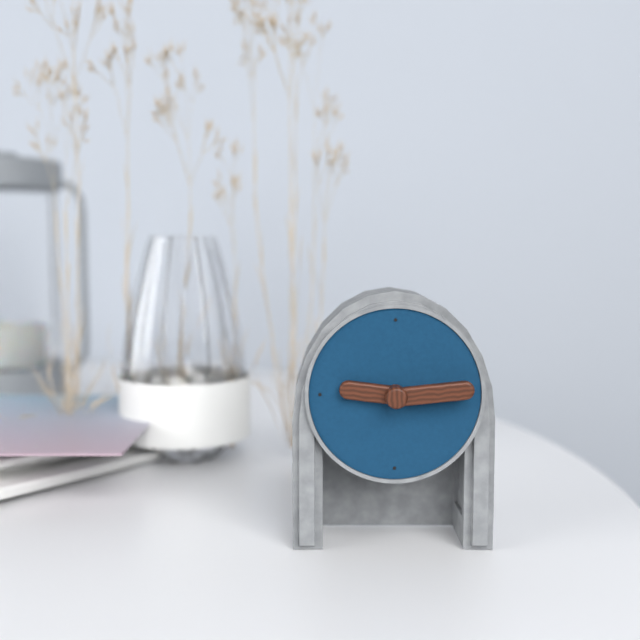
9:14
